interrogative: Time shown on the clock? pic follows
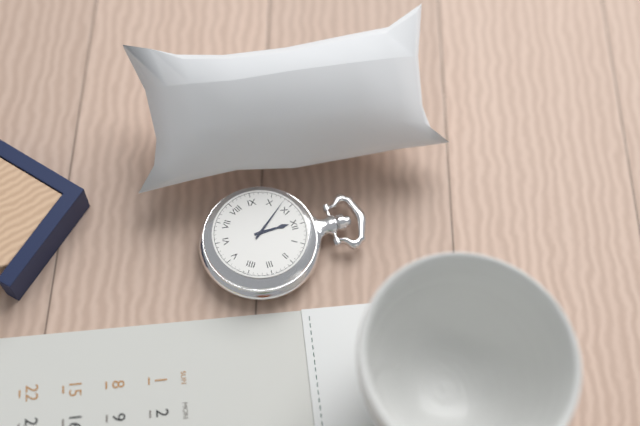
11:53
